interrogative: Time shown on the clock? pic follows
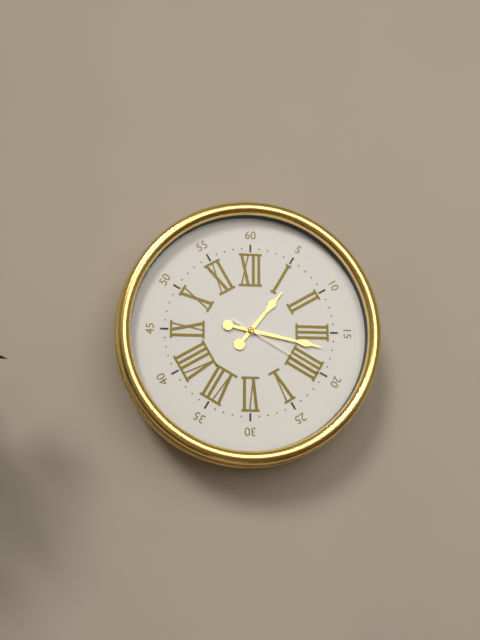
1:17:20
